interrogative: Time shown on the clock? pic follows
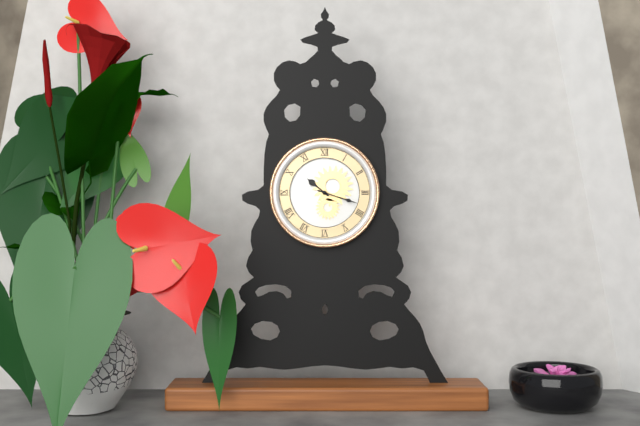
10:18
